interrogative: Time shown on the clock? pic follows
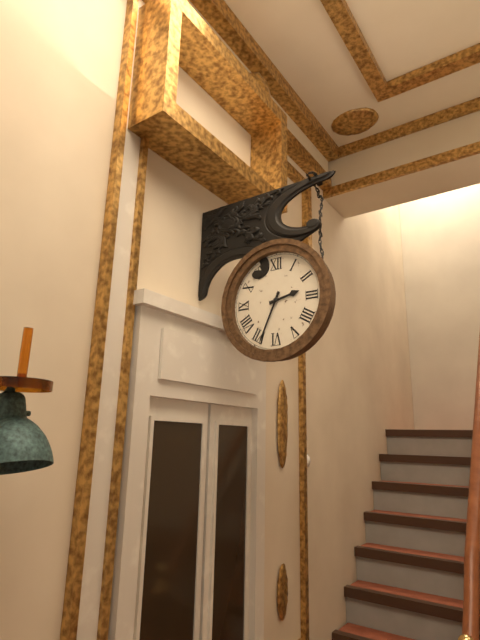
2:34
